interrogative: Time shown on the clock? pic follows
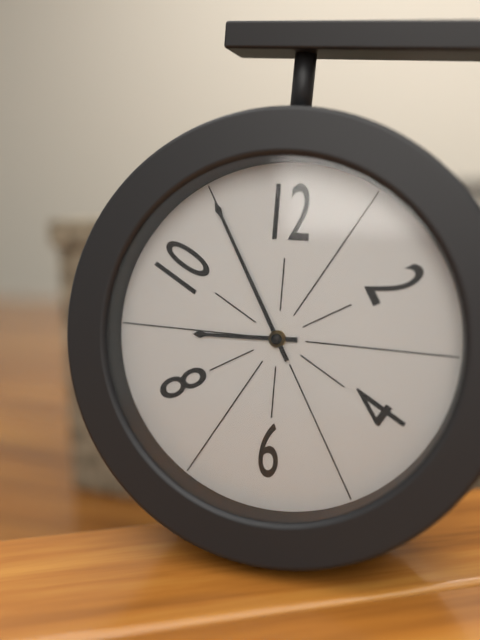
8:55
